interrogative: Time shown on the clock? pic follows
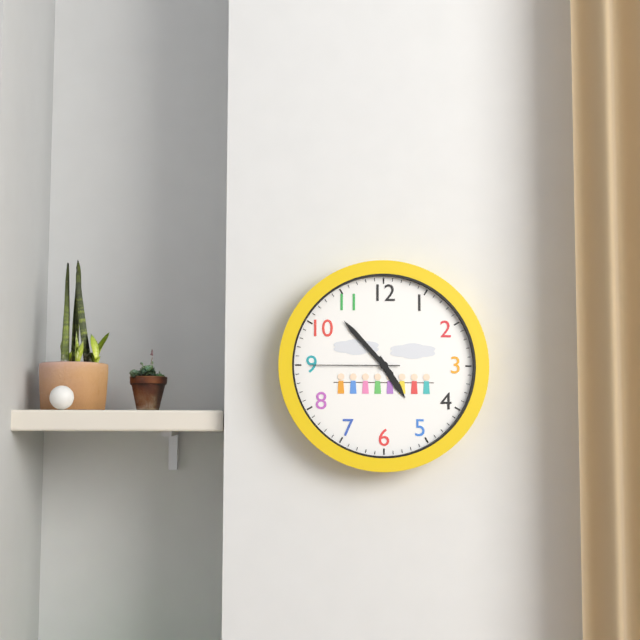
4:53:45
